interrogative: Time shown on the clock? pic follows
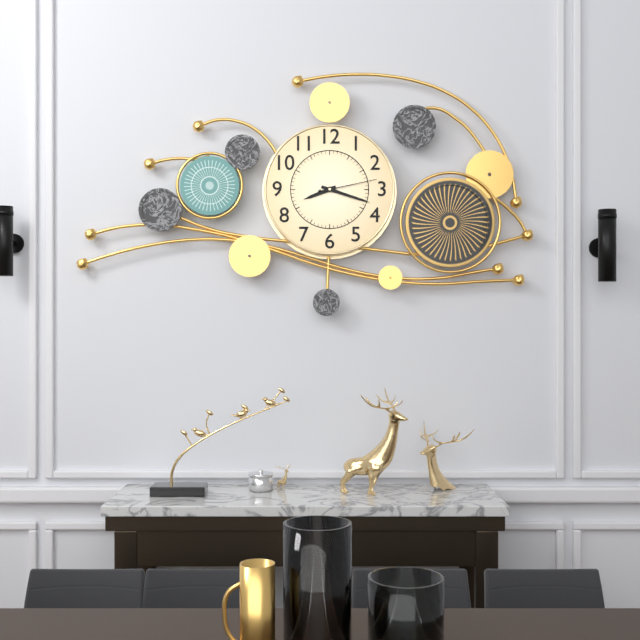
8:18:13
